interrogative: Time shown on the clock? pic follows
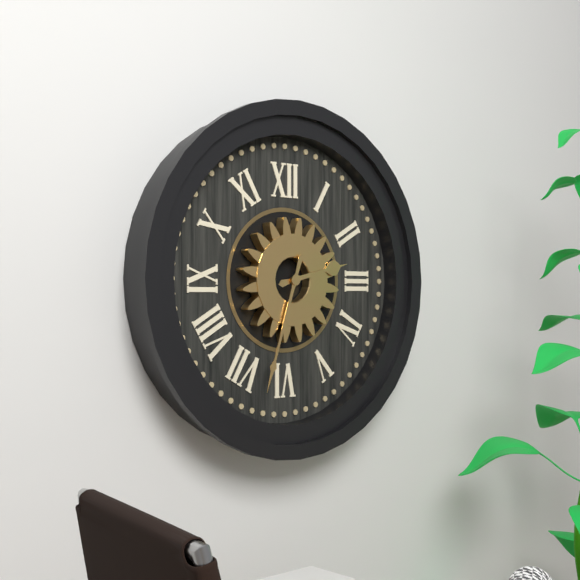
2:33
